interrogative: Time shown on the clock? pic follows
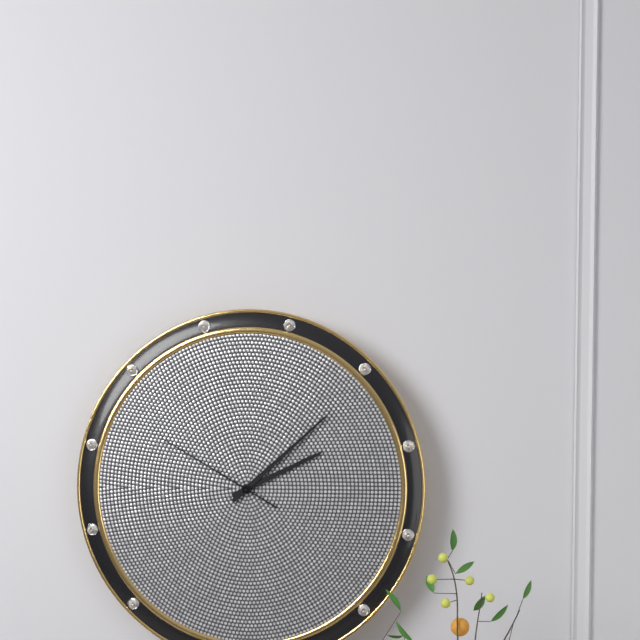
2:08:50
